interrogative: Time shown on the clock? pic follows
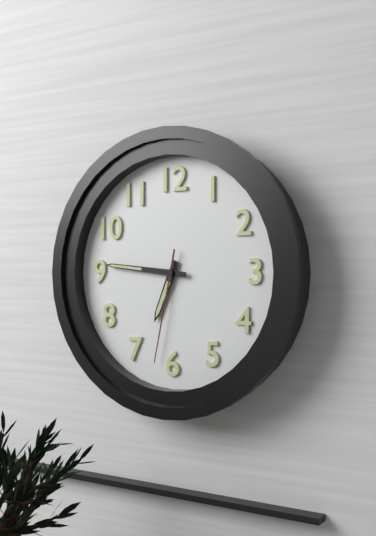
6:46:32
